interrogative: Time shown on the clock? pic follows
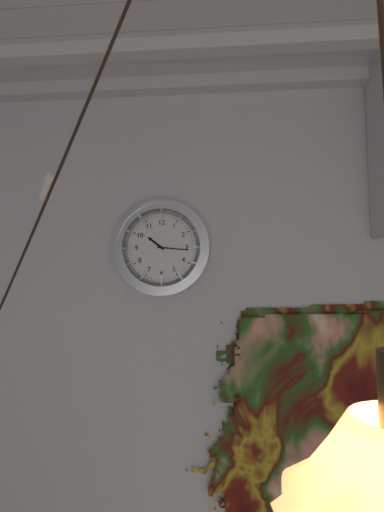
10:16
